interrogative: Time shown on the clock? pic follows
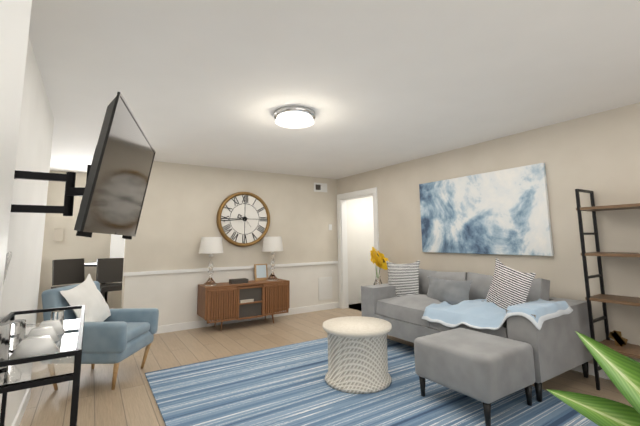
9:44
